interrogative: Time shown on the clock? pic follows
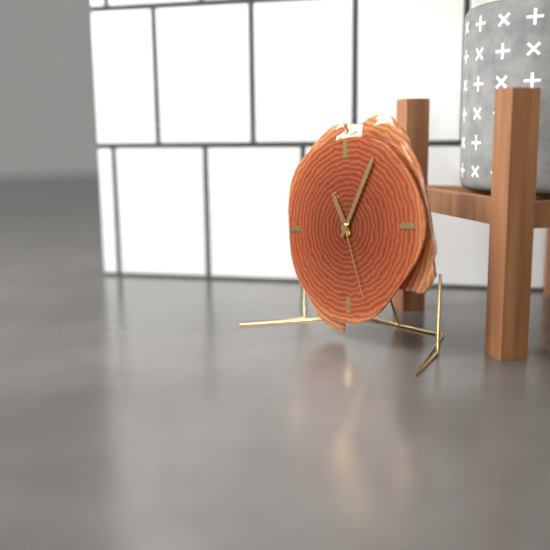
11:05:27
